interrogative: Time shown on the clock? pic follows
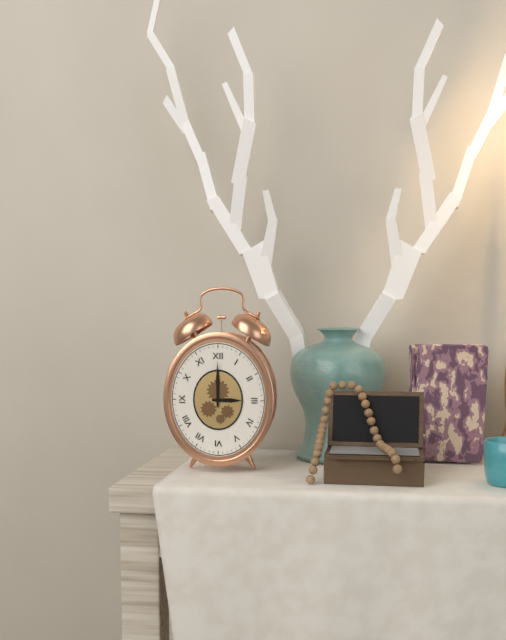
3:00
